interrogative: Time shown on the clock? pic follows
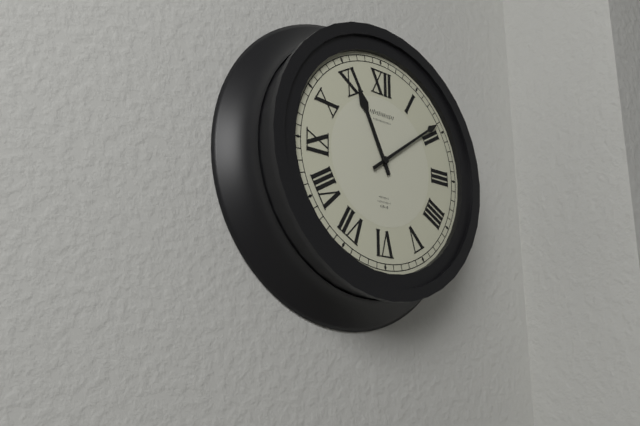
11:09
